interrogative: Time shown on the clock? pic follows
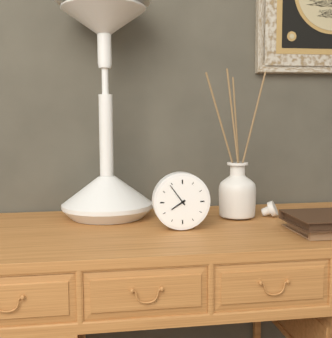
7:54
